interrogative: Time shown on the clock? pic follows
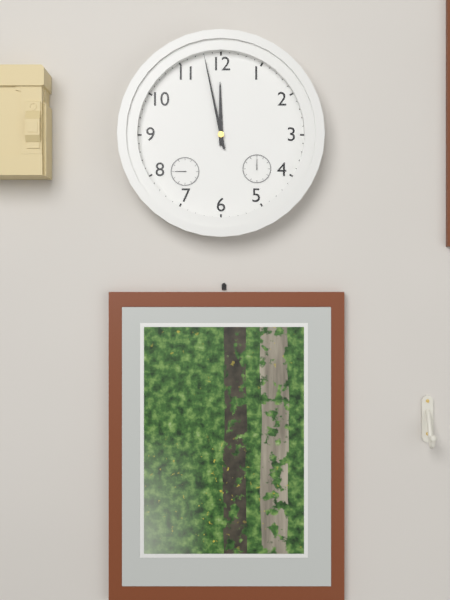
11:58
